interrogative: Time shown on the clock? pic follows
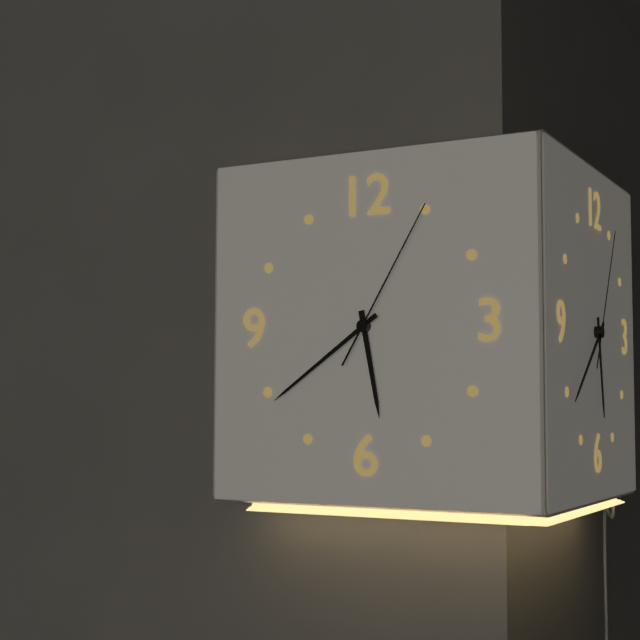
5:39:05
